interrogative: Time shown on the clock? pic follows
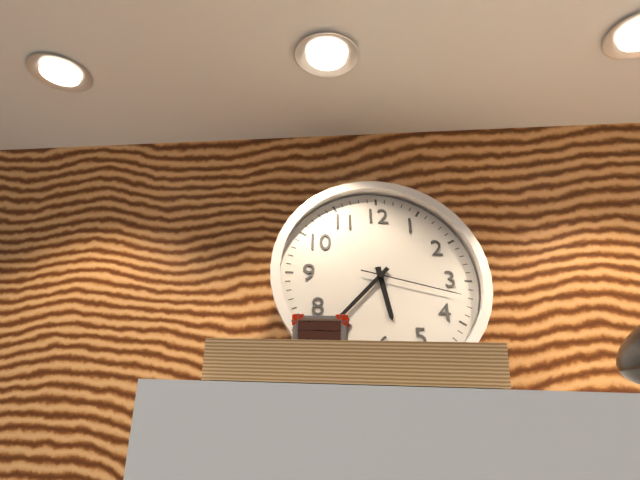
5:37:17
